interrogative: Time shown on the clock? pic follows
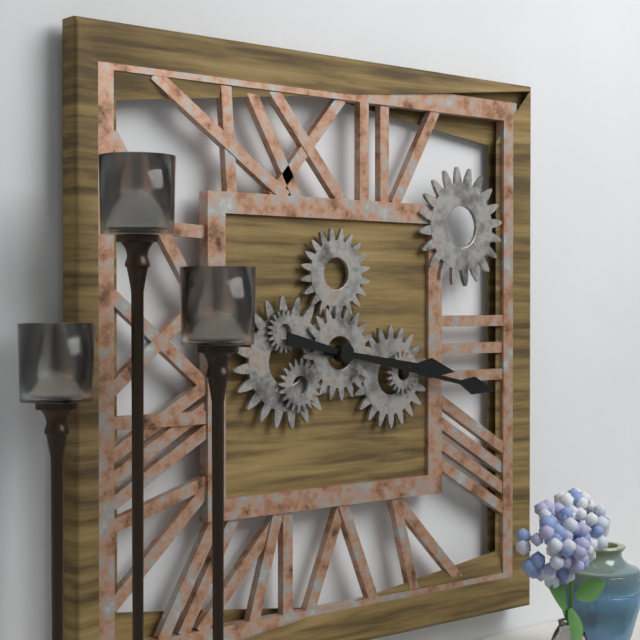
3:17
